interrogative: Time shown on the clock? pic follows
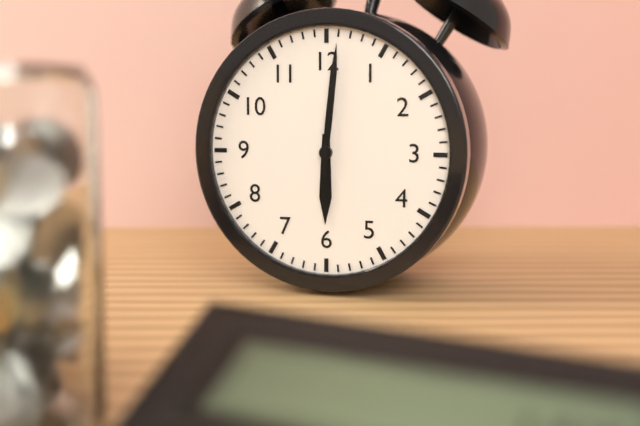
6:01
